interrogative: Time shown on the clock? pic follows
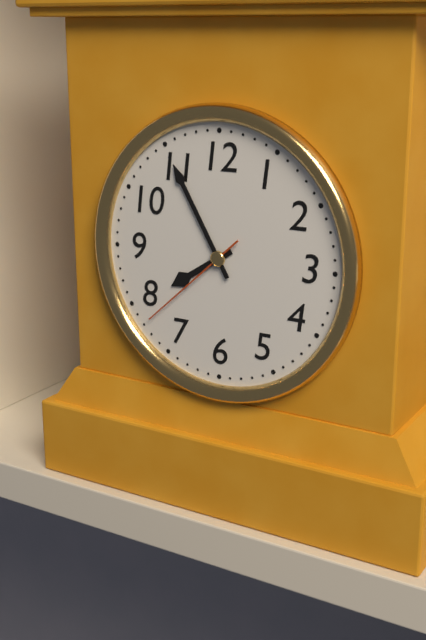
7:55:38
